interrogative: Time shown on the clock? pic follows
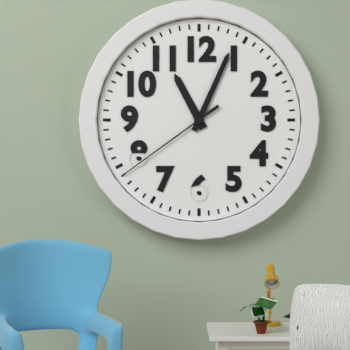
11:04:39
